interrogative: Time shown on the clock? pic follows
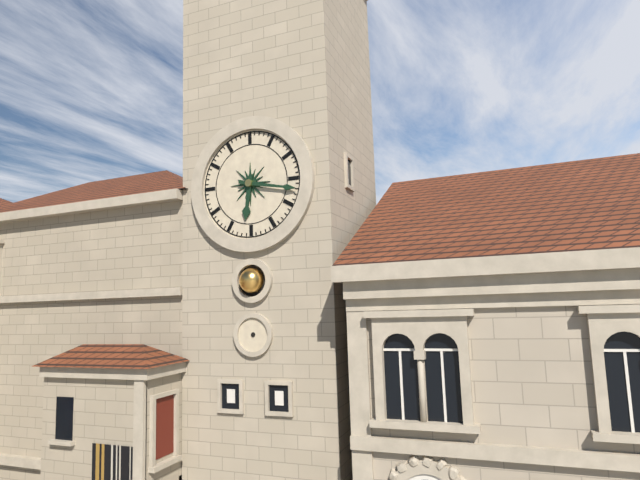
6:17
